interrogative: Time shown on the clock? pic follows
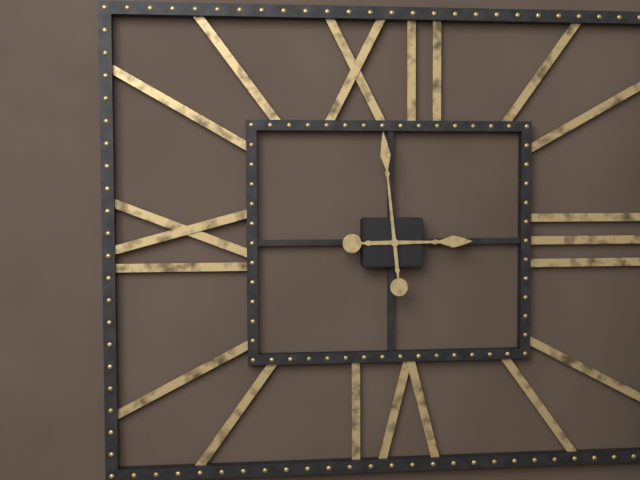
2:59
